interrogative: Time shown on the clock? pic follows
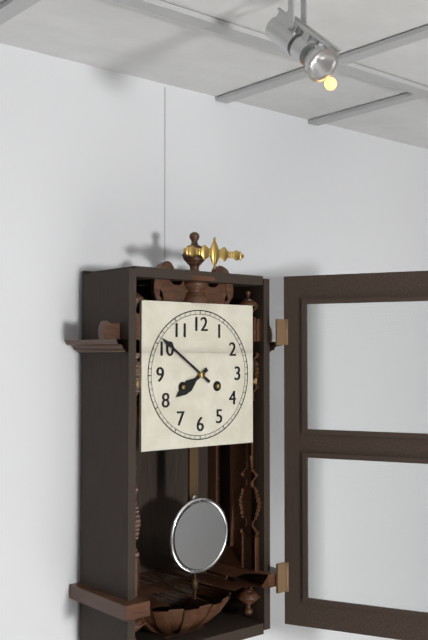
7:51
